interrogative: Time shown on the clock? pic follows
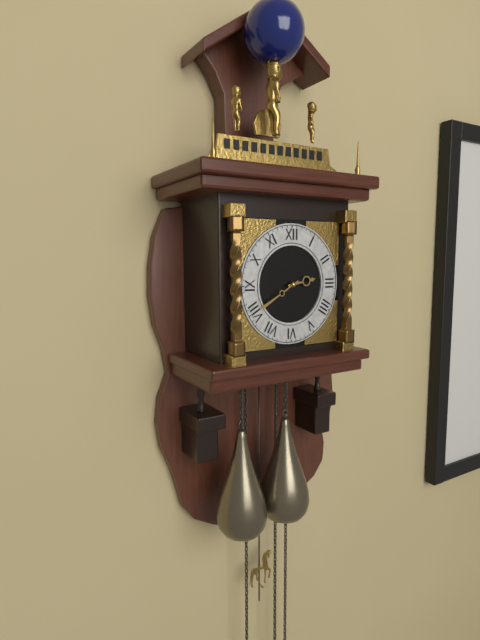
2:40
